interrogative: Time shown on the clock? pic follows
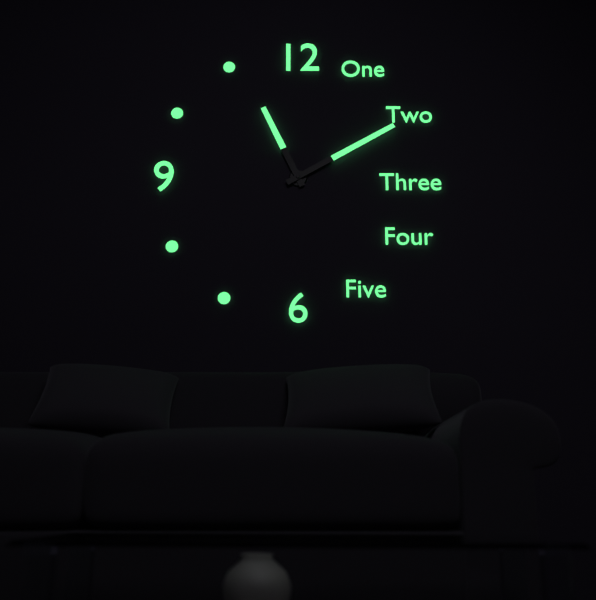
11:10
